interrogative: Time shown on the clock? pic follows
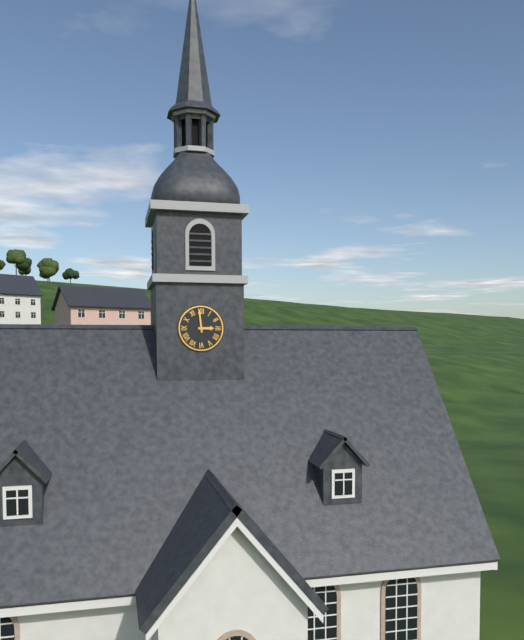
2:59
